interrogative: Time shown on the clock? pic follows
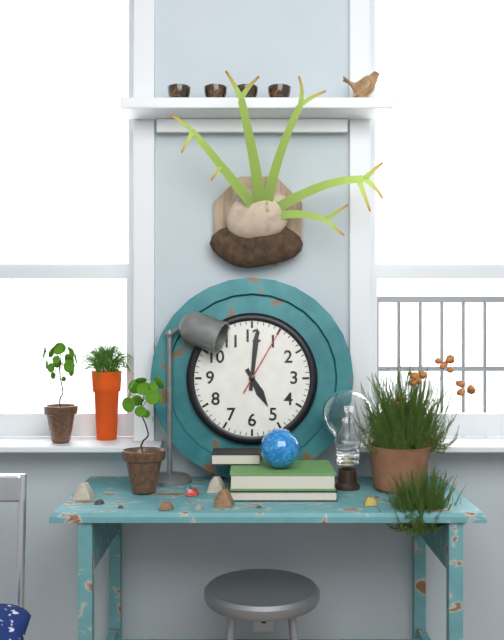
5:01:05
